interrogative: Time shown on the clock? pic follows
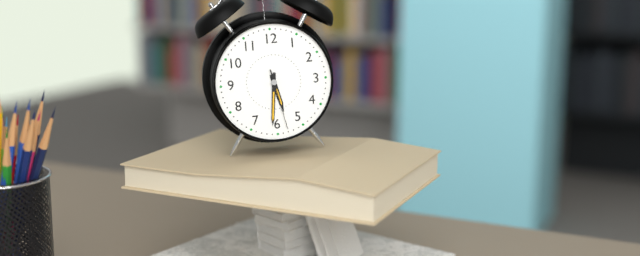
5:31:28
